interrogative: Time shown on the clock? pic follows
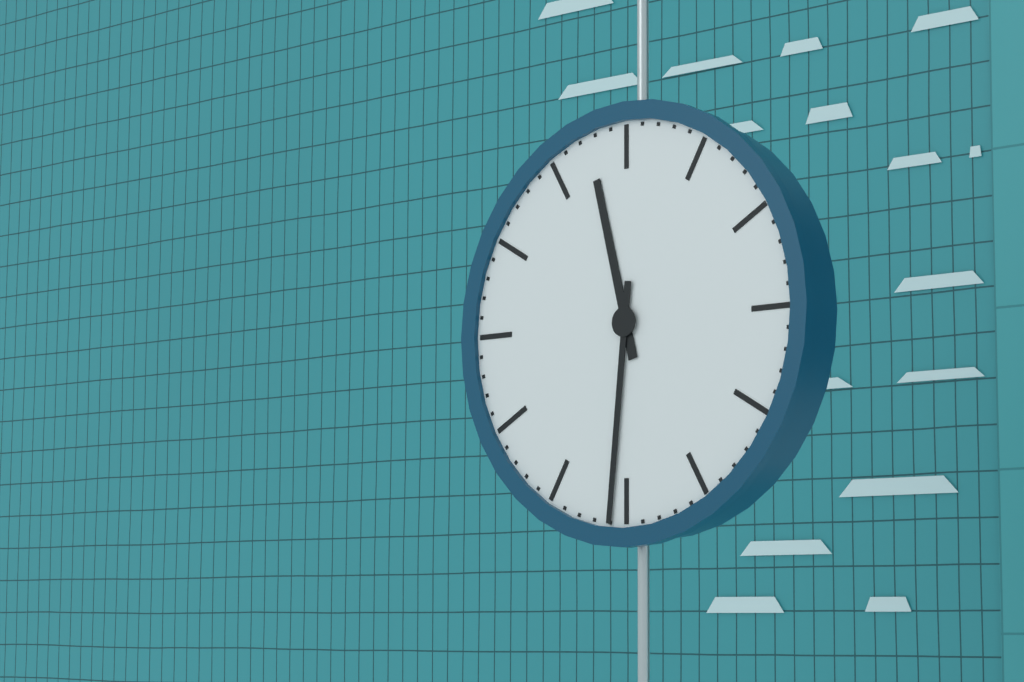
11:31
